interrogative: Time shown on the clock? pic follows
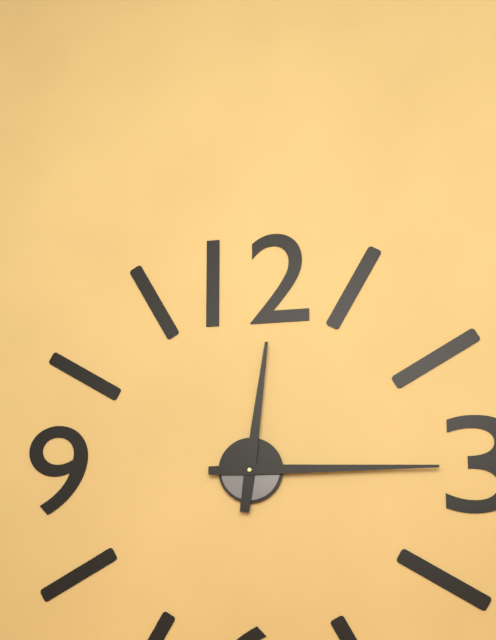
12:15
